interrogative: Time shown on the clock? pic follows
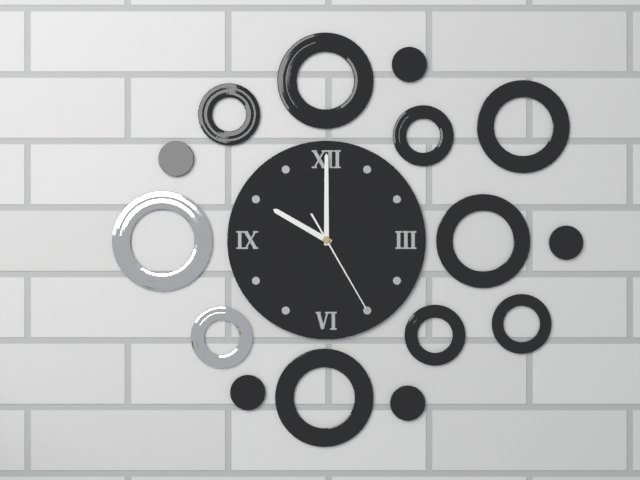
10:00:25
